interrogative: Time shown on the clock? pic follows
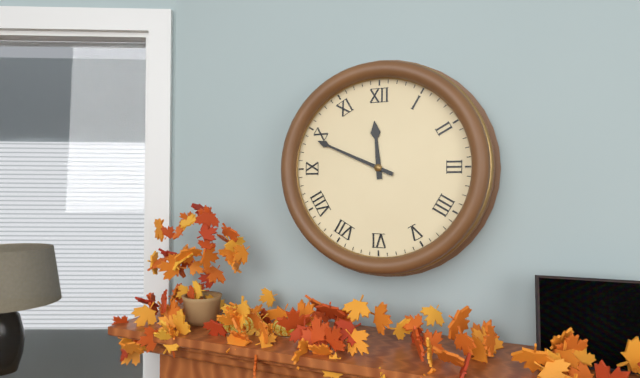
11:49
